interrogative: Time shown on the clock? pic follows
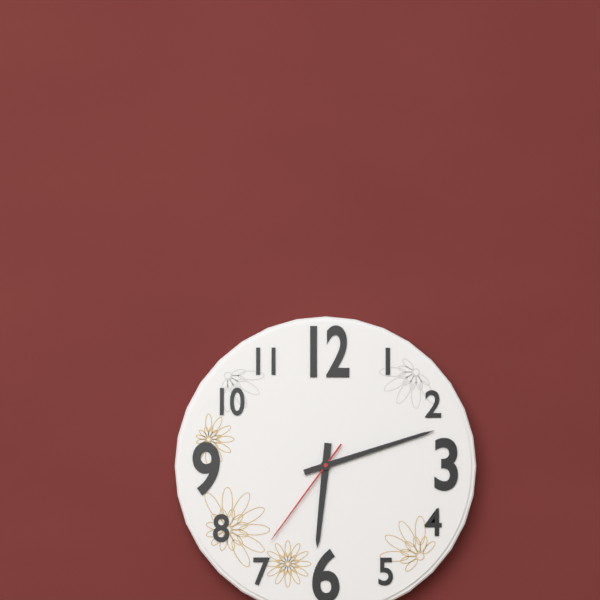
6:12:36
